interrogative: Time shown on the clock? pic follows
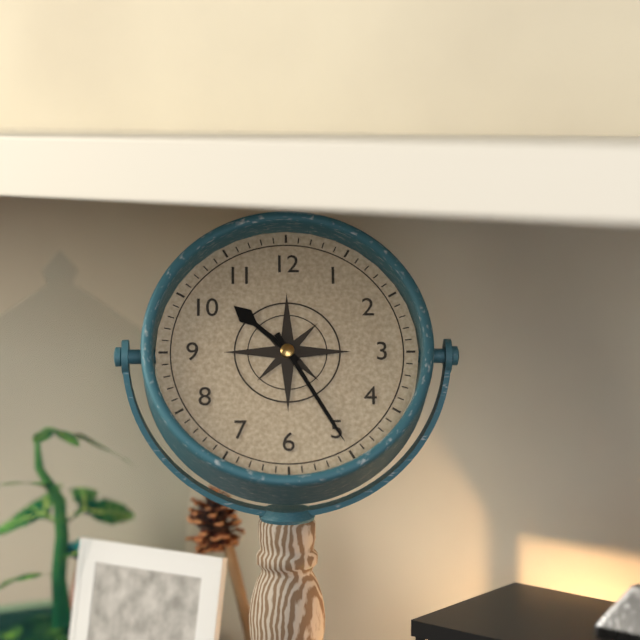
10:25
